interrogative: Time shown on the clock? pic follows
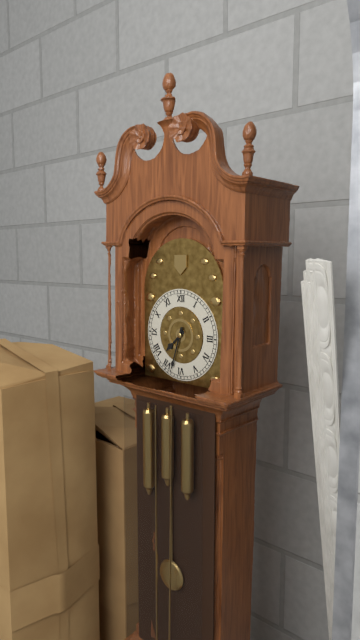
7:33
